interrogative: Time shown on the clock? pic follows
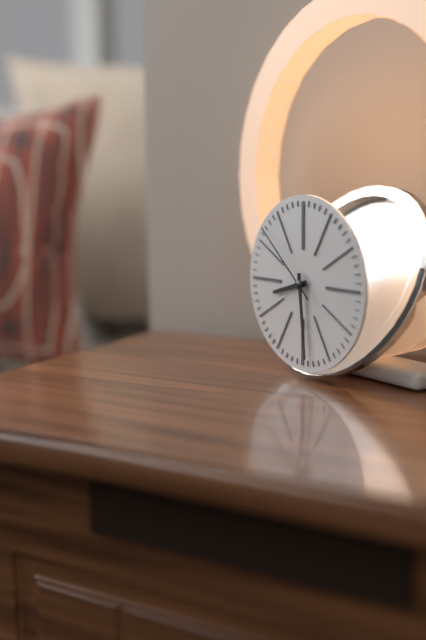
8:29:52
